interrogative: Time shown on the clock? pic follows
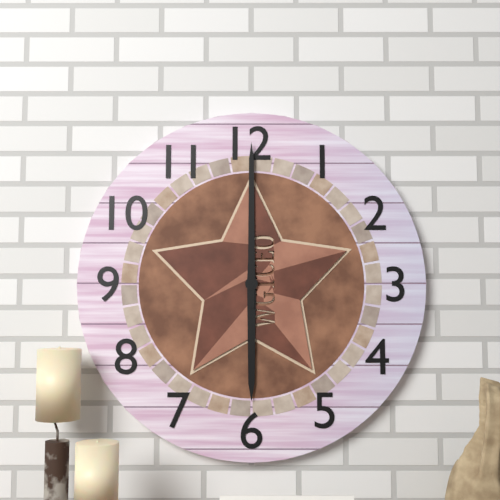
6:00
